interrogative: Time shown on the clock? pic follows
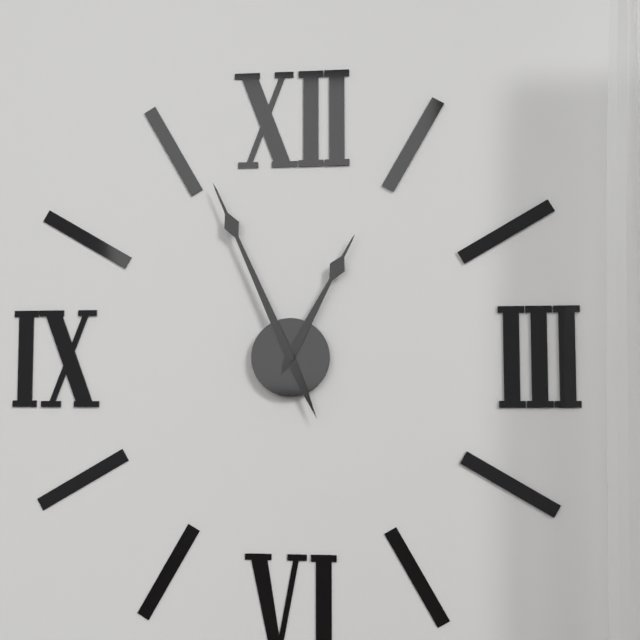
12:56
